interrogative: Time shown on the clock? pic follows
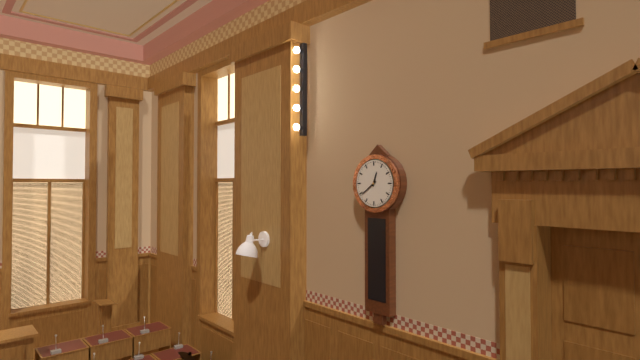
12:39
